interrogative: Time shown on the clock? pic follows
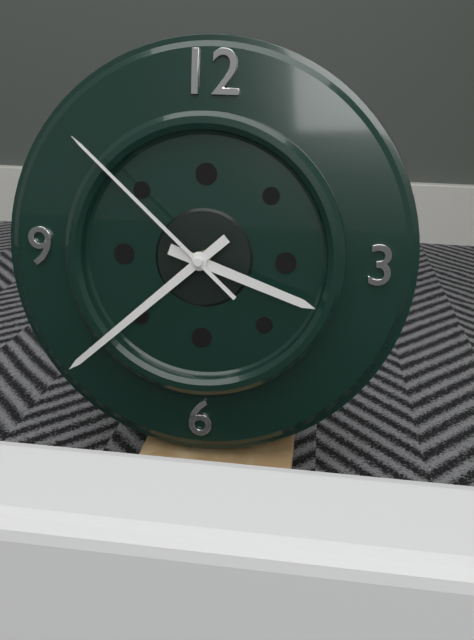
3:38:52
